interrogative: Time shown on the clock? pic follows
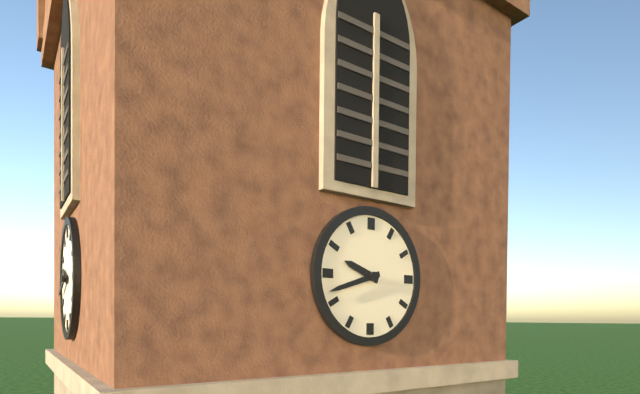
9:42
